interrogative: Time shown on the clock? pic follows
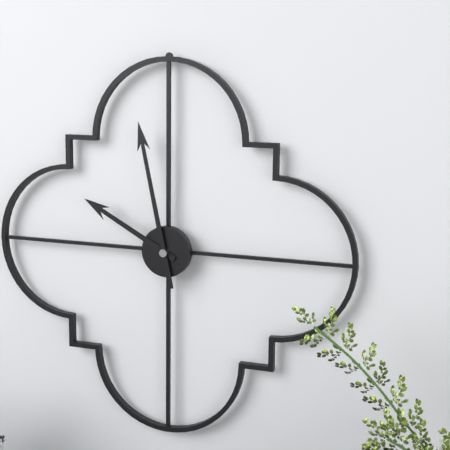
9:58
